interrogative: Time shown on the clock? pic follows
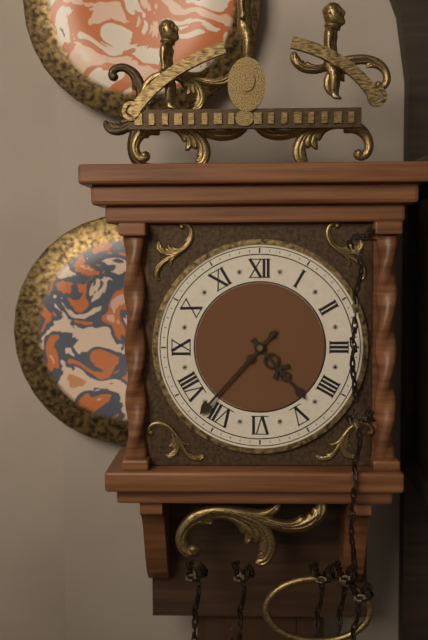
4:37
